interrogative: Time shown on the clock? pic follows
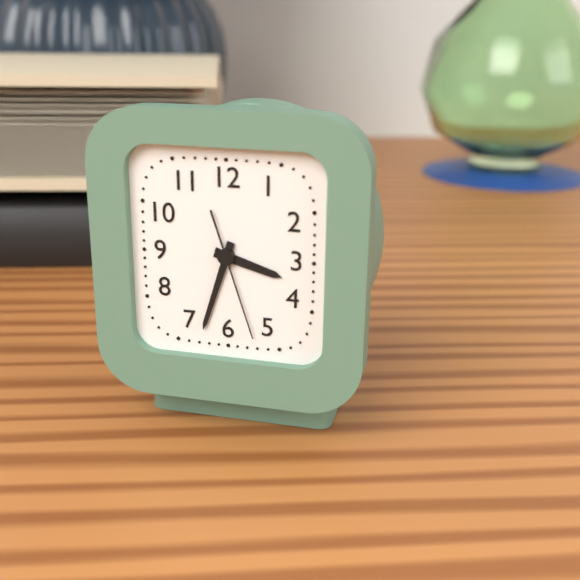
3:33:27
